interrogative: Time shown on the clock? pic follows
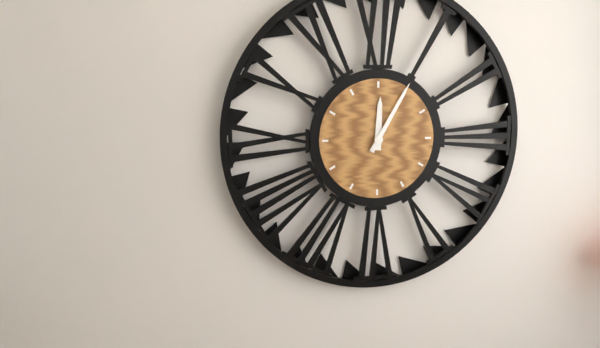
12:05
